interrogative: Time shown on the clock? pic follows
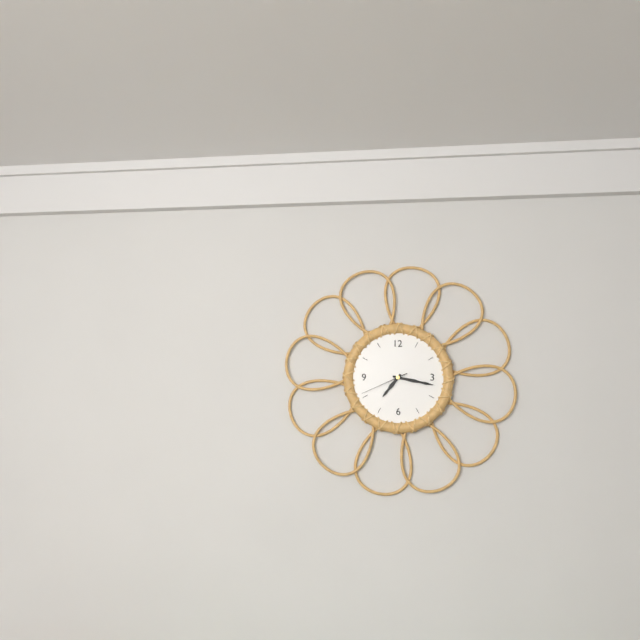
7:17
